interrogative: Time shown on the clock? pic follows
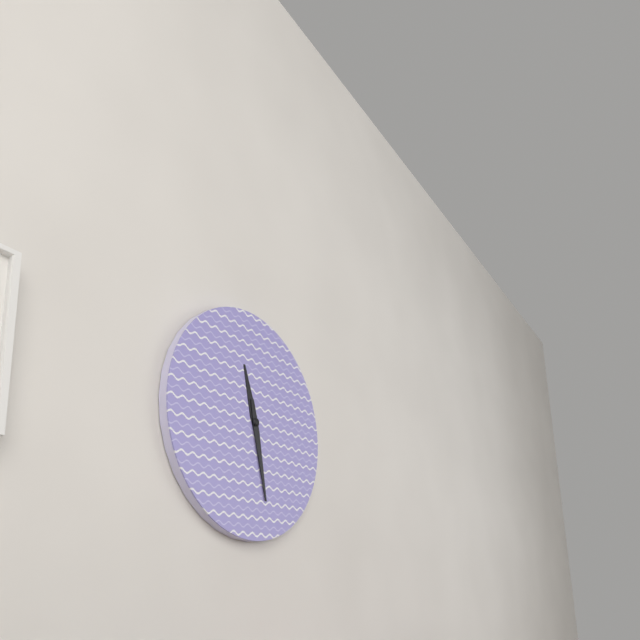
11:28
